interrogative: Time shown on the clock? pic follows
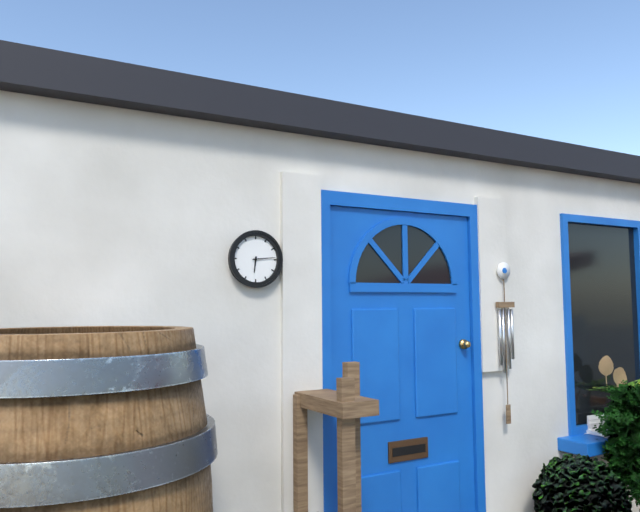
6:14
